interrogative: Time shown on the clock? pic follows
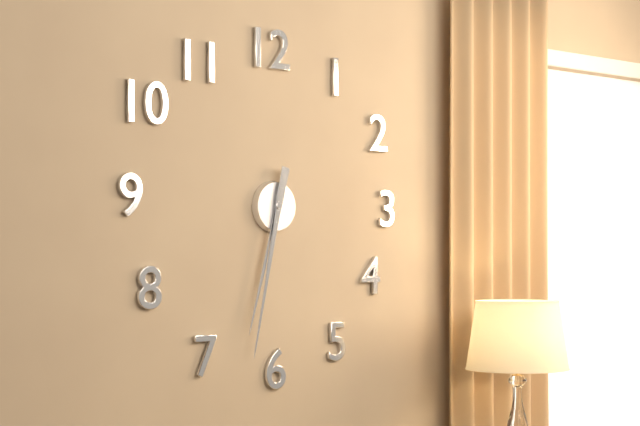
6:32
